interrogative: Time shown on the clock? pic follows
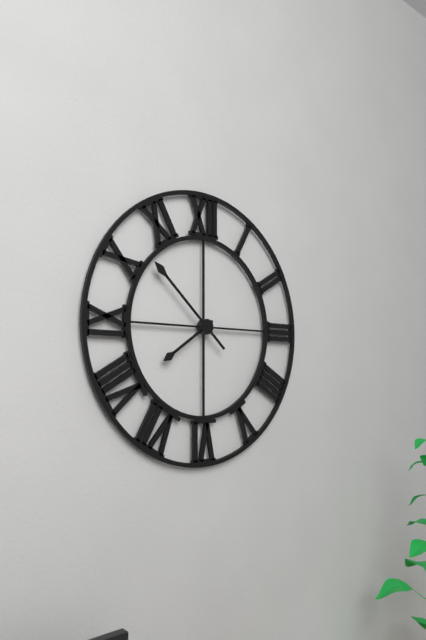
7:52
